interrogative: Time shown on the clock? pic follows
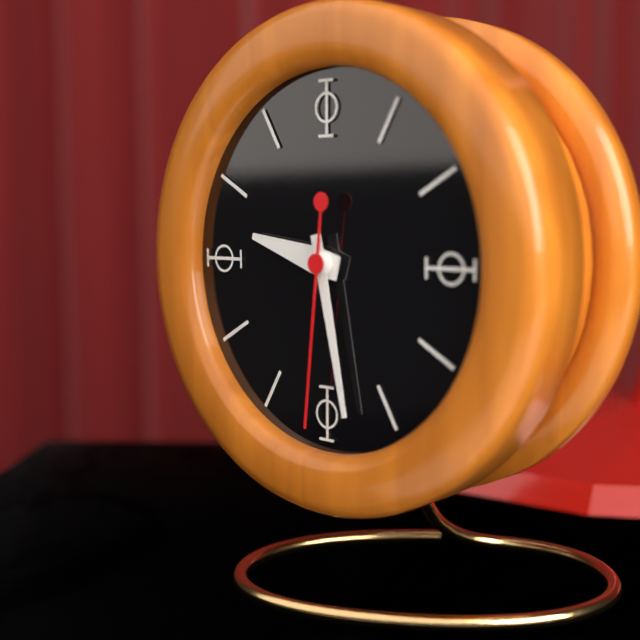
9:28:31
